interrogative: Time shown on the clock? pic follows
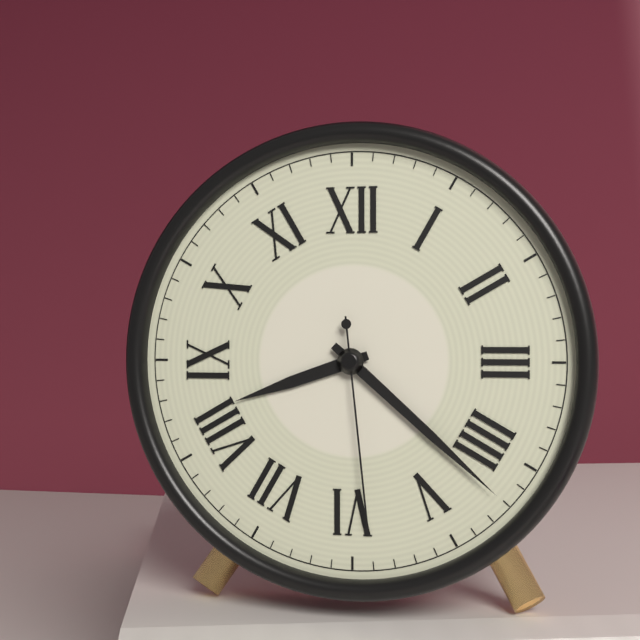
8:22:29
